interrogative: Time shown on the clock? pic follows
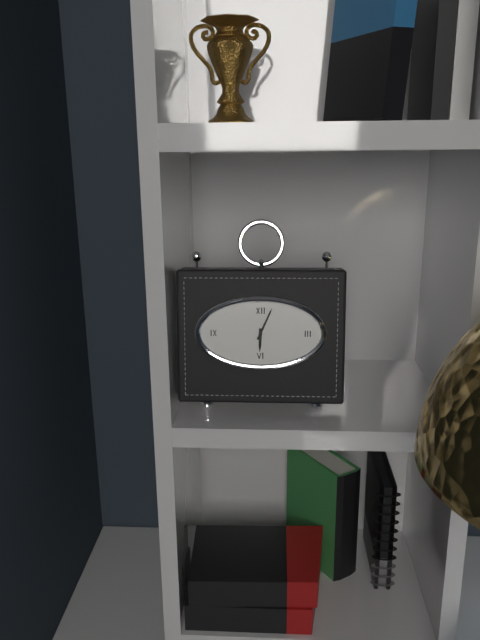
6:04
